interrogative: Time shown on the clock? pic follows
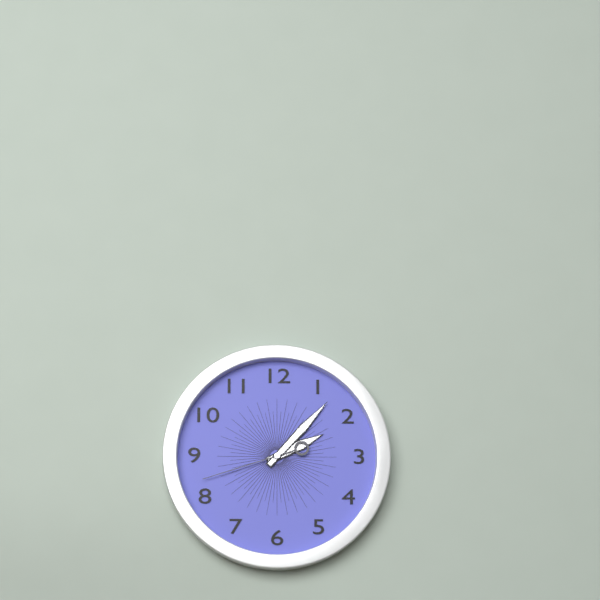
2:07:42
